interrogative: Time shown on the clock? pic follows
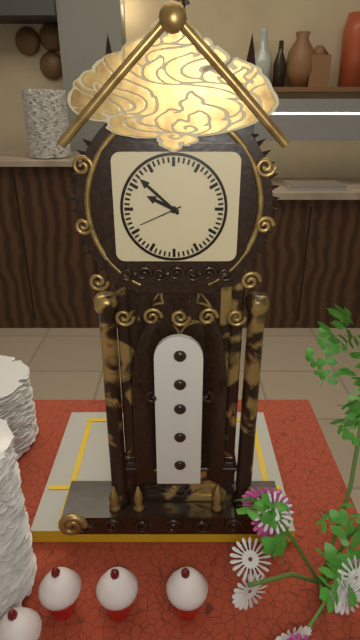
9:52
